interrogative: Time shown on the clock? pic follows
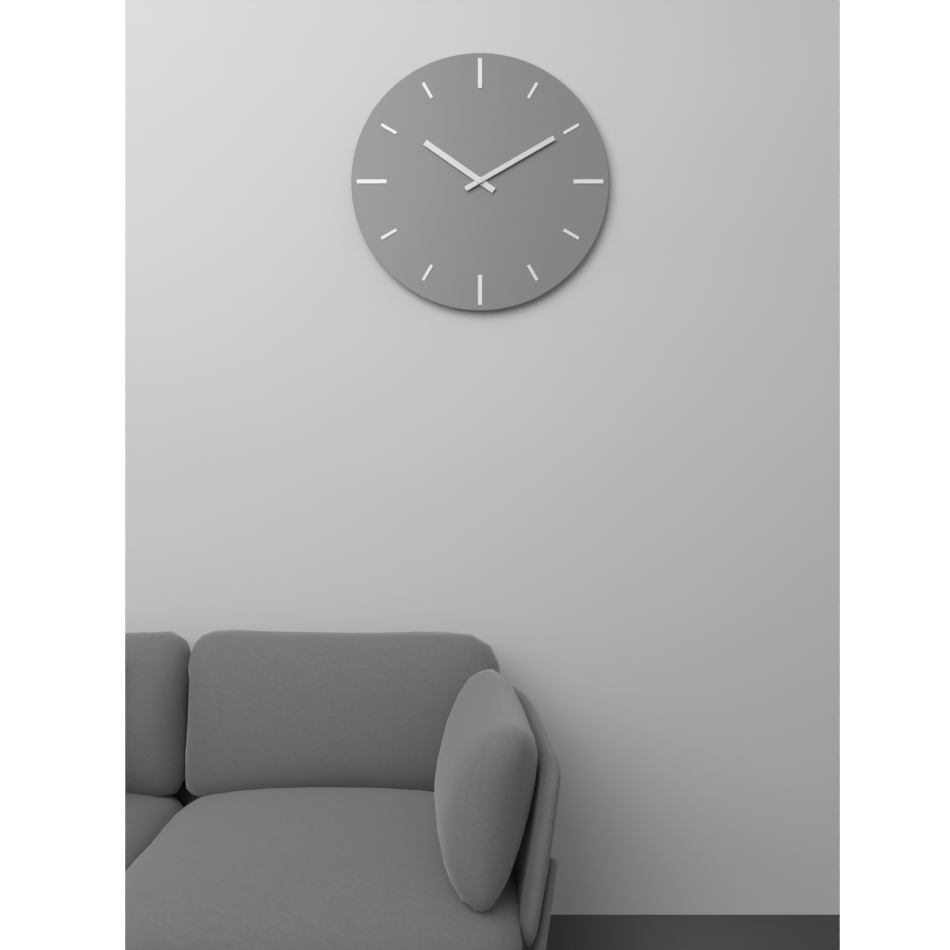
10:10
